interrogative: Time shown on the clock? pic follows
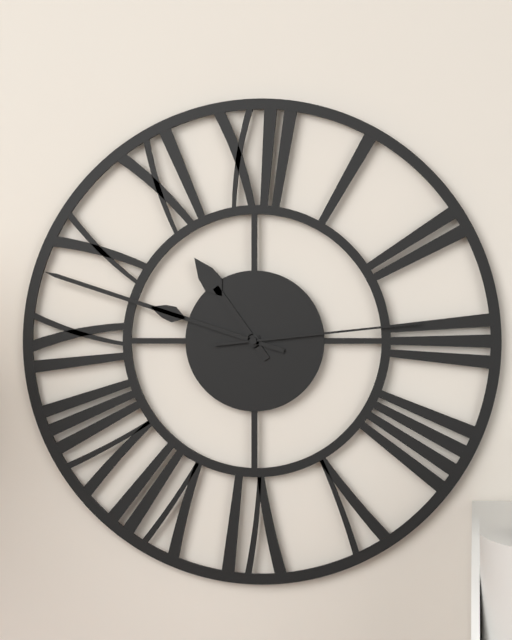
10:48:14
